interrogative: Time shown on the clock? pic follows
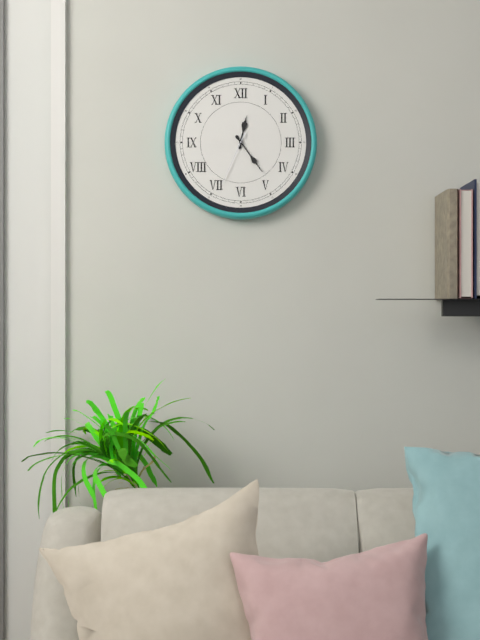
12:24:34
